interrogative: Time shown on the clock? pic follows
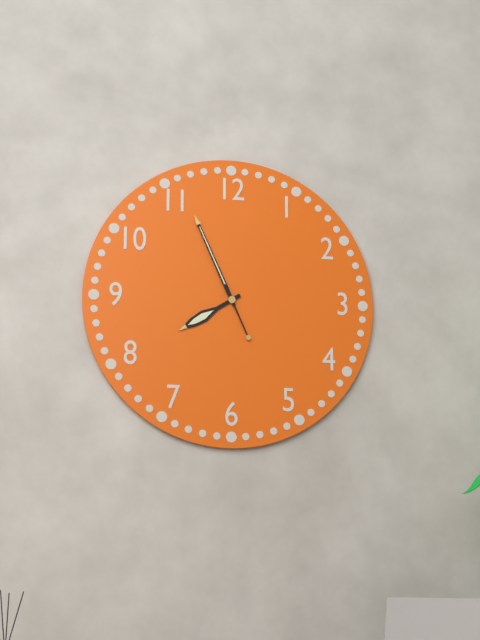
7:56
